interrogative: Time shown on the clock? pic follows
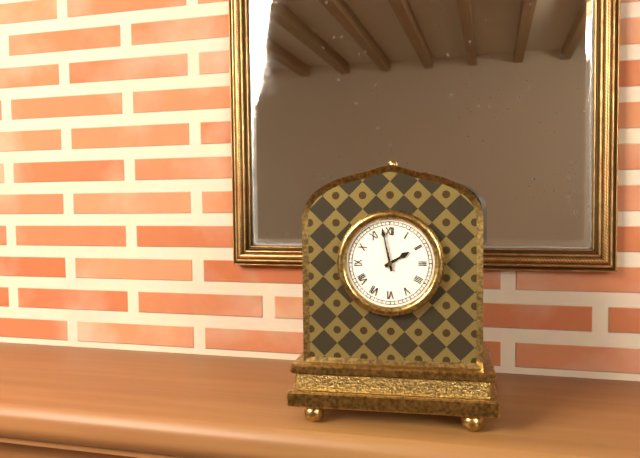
1:58
